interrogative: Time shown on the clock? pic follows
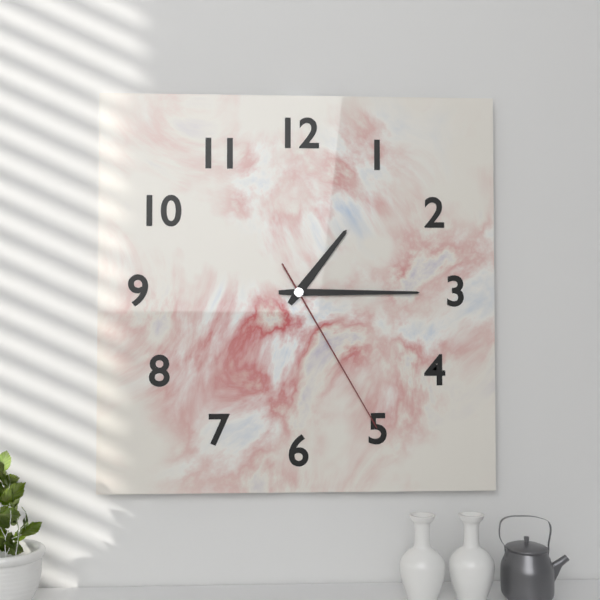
1:15:25
